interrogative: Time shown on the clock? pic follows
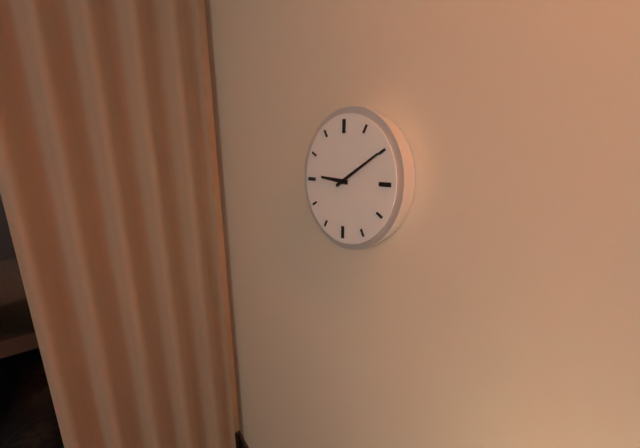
9:10
